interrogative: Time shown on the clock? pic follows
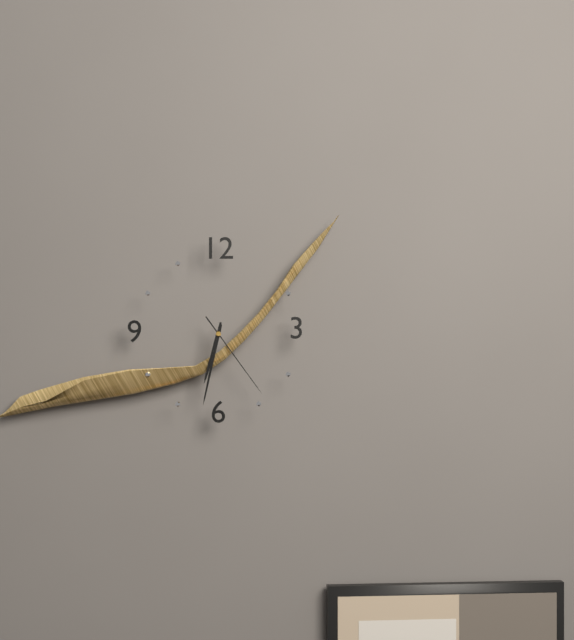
6:32:24
